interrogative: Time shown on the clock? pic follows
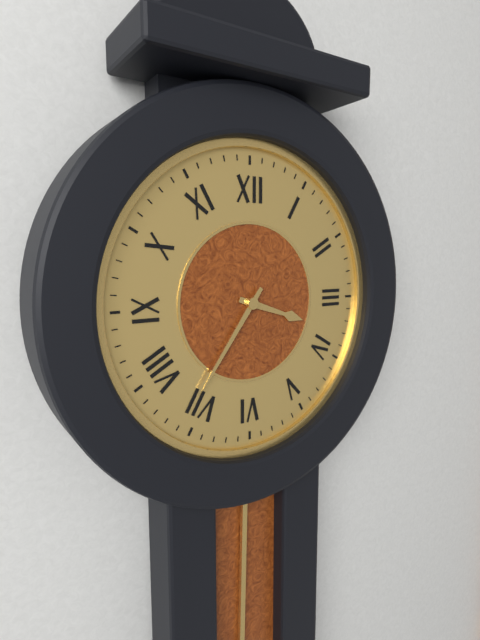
3:36
